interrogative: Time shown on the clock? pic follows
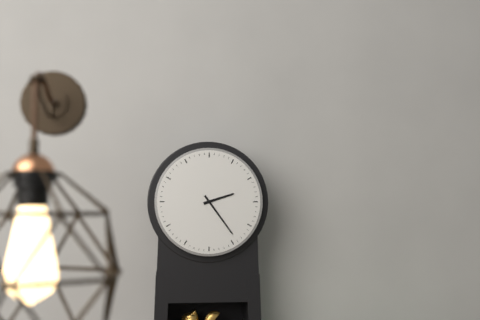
2:24
